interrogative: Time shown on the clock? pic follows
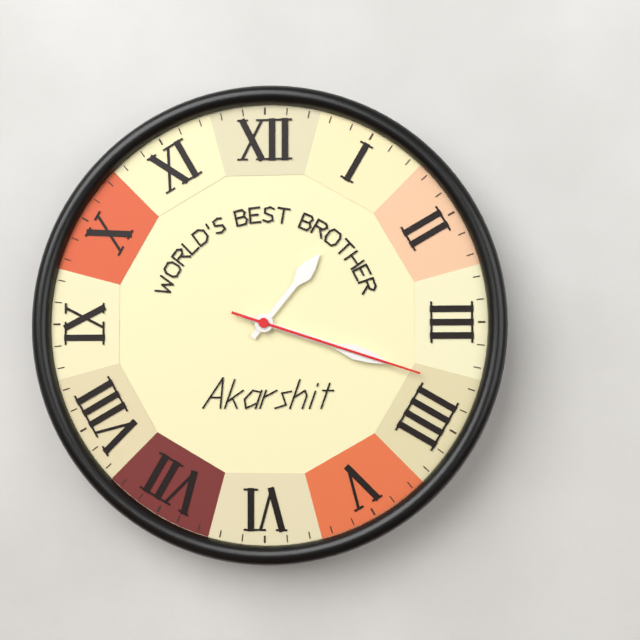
1:18:18
